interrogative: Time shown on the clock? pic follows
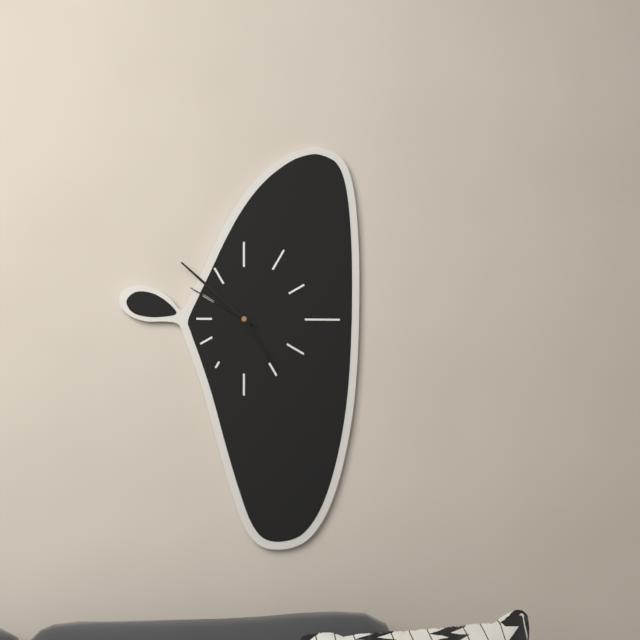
4:52:50
